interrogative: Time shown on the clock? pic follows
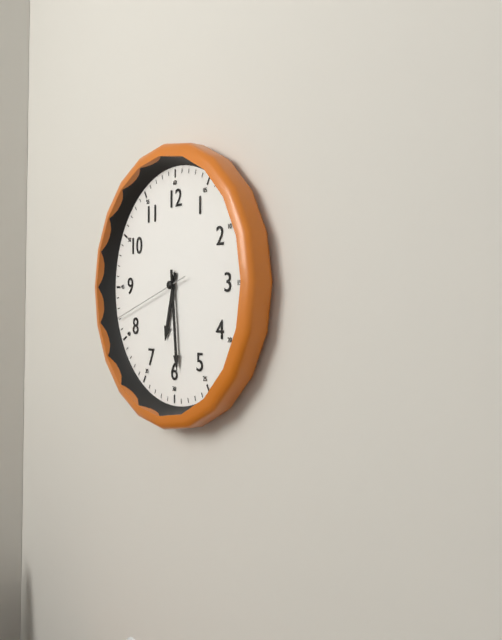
6:29:42
